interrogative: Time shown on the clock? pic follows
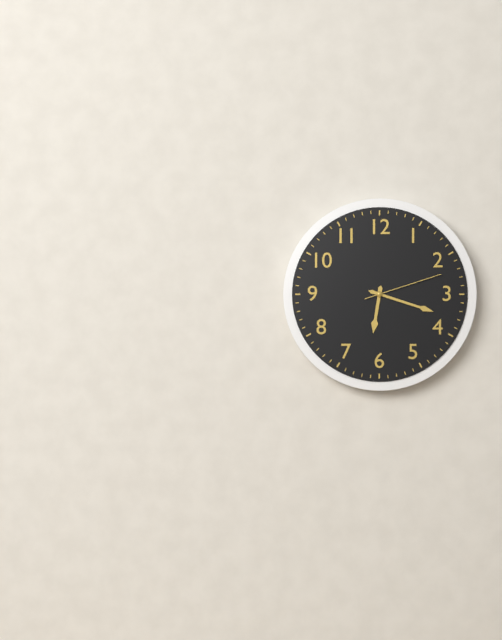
6:18:12
